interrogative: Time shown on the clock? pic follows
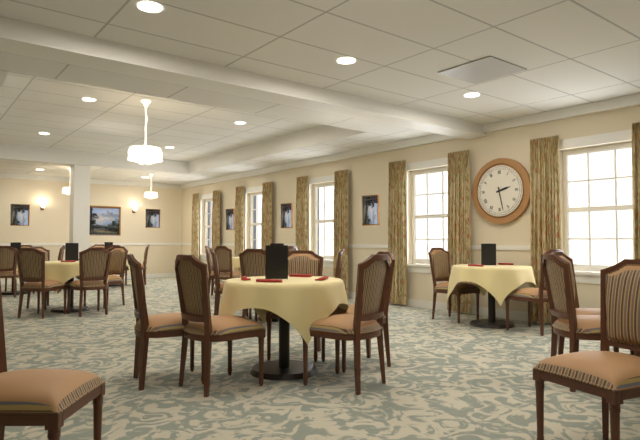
2:28
